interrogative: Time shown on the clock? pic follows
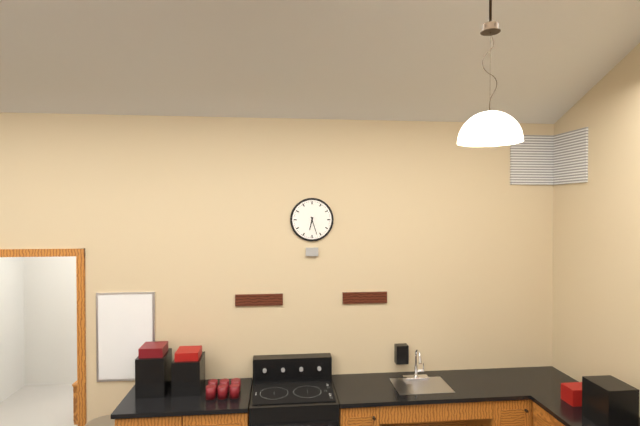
6:27
